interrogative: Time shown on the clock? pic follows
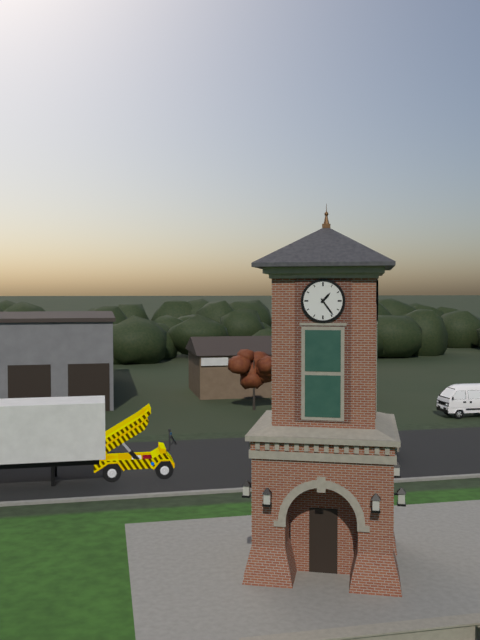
1:24
